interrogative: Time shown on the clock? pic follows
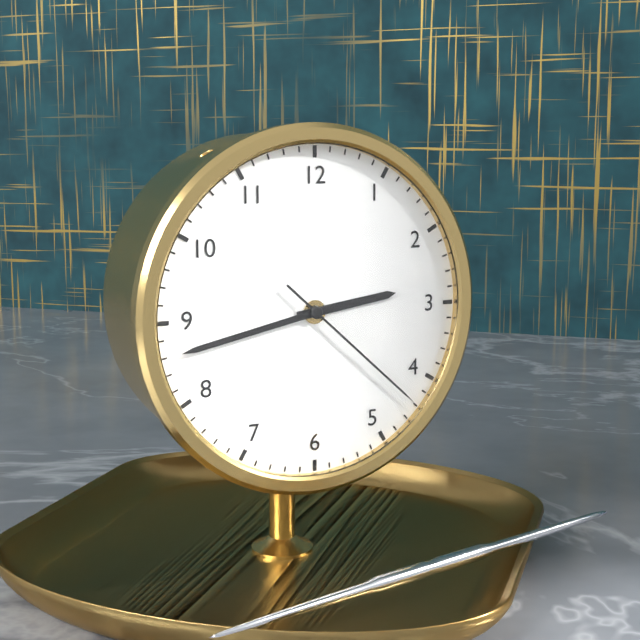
2:43:22
